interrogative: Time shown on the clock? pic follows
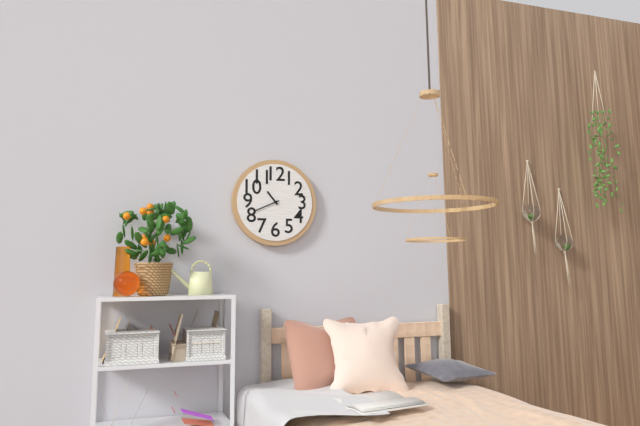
10:41
